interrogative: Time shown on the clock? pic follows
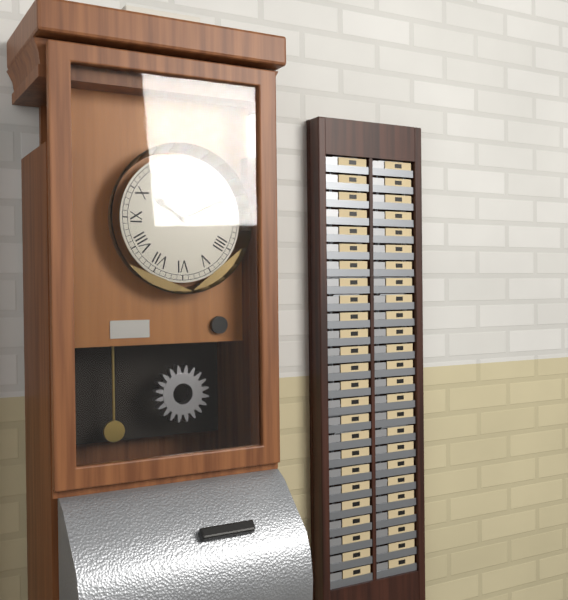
10:11
